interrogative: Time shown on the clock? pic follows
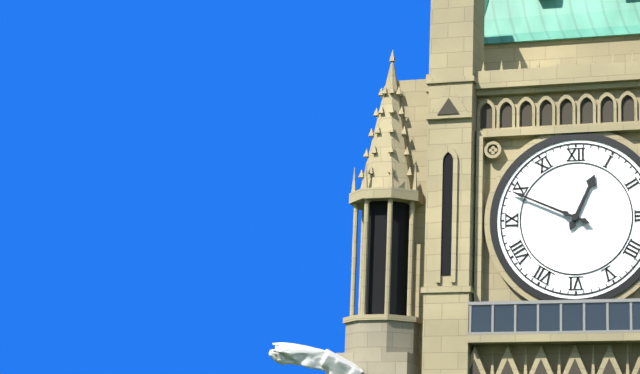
12:49
